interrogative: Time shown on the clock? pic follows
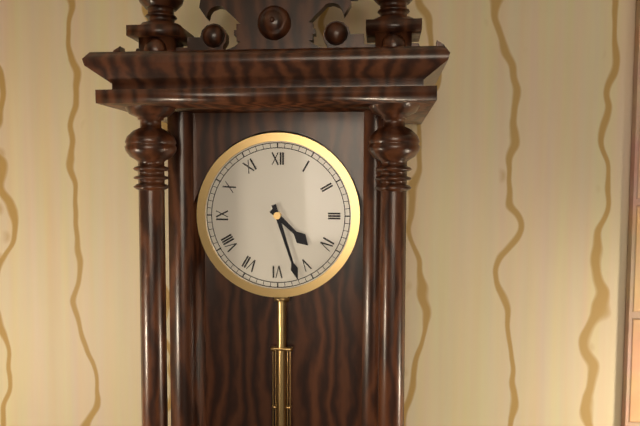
4:27
